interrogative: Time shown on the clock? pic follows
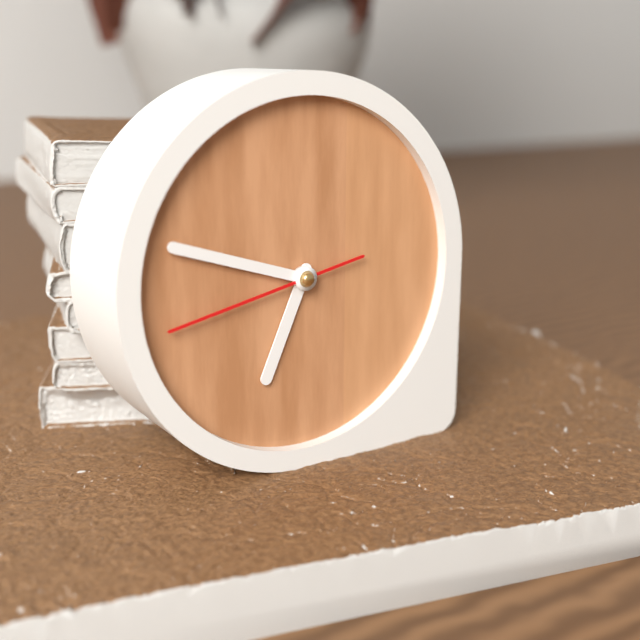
6:48:43
